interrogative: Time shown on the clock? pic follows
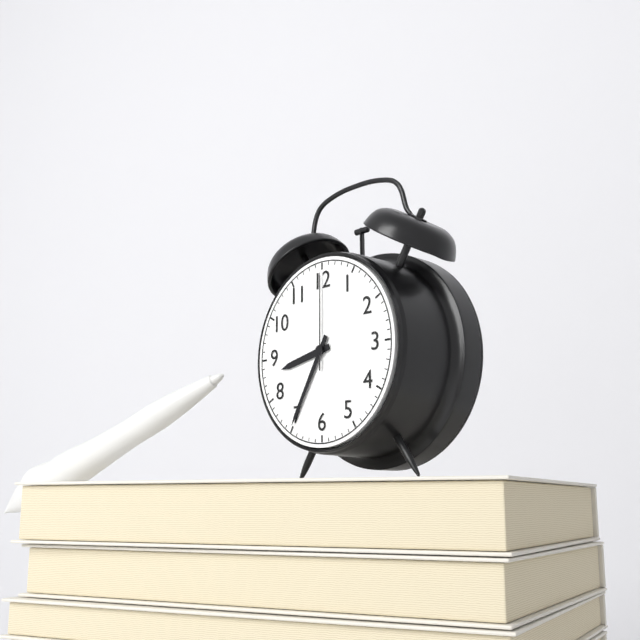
8:35:00
